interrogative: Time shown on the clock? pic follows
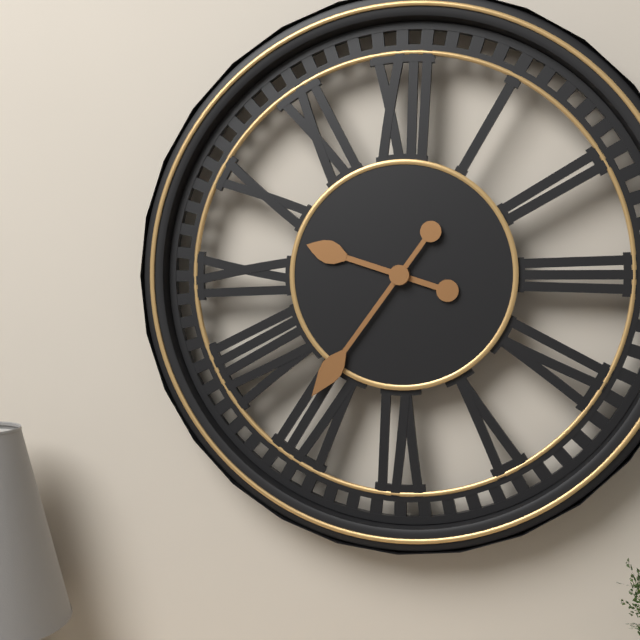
9:36
